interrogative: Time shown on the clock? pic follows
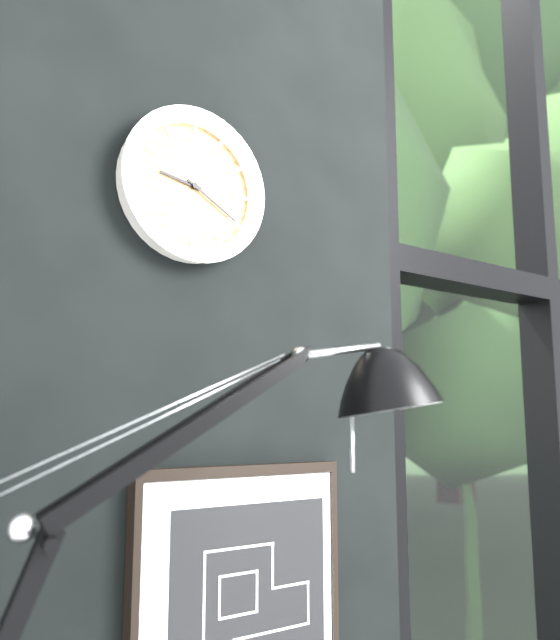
9:20
